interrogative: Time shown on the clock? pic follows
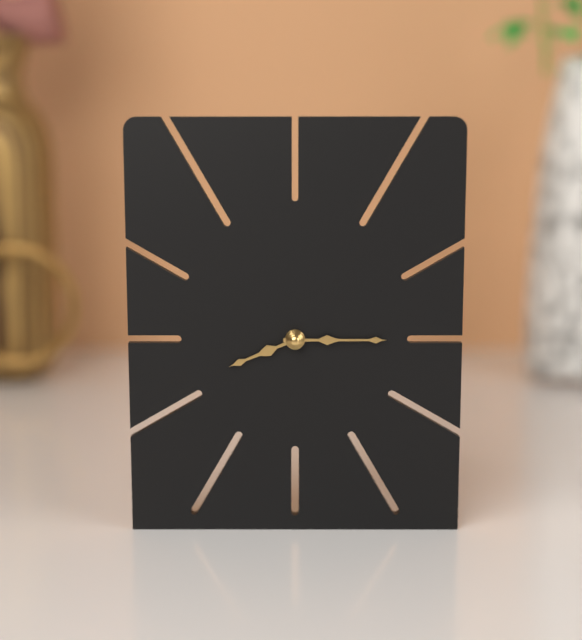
8:15
